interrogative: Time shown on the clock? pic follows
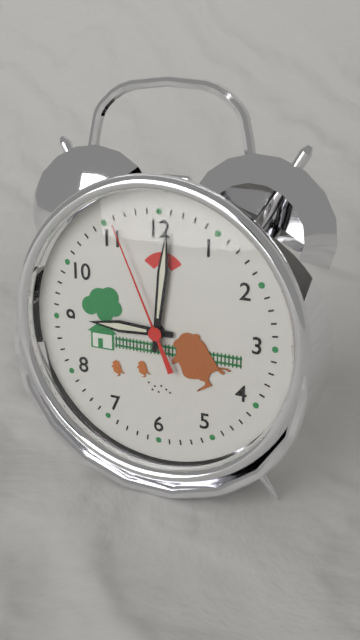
9:01:56
